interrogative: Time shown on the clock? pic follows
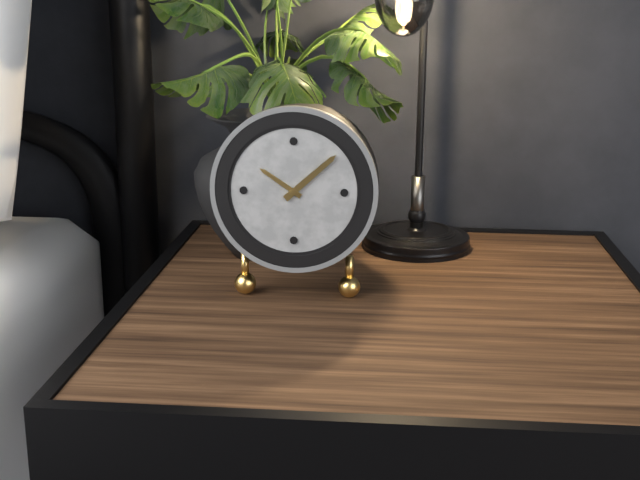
10:08
